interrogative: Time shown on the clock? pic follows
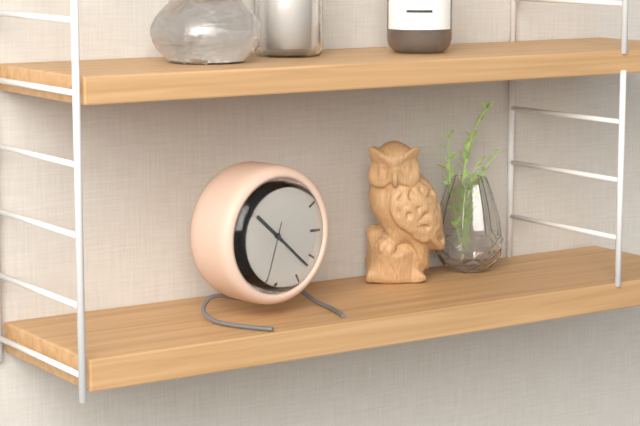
10:22:33
